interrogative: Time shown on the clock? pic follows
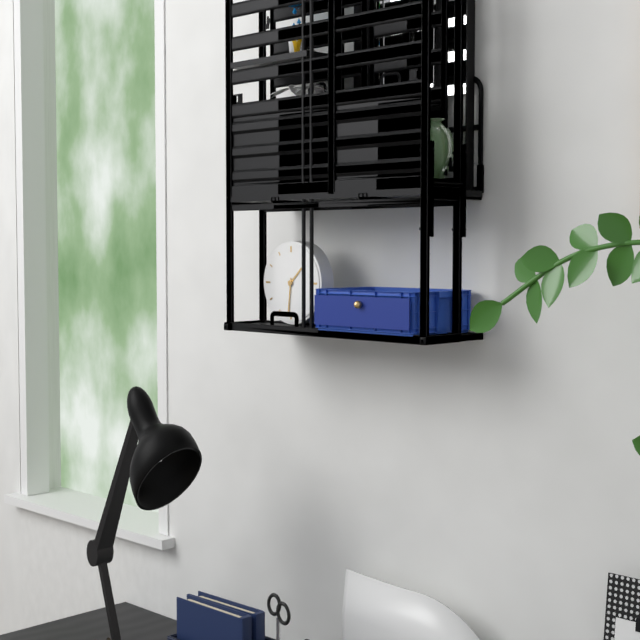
1:31
